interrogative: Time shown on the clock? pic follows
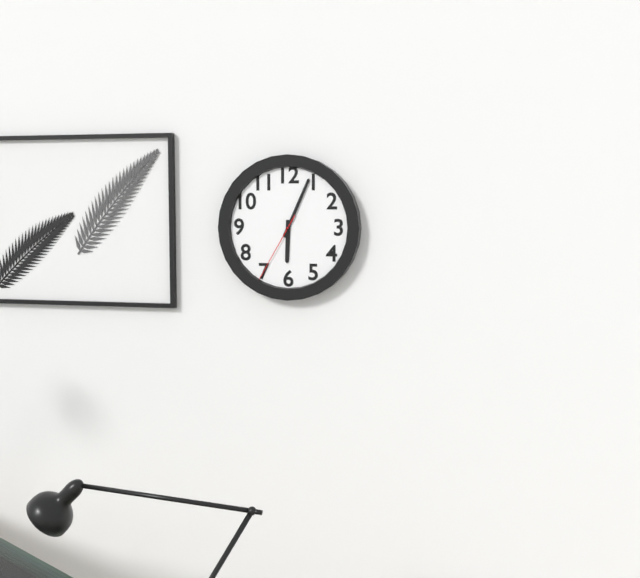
6:04:35
